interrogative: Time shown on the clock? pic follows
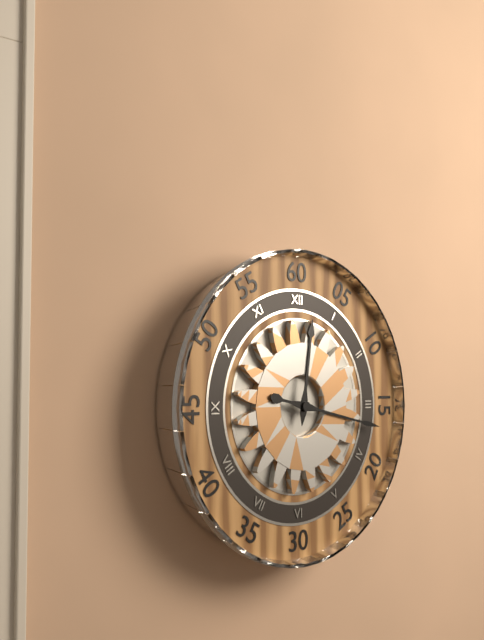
12:17
